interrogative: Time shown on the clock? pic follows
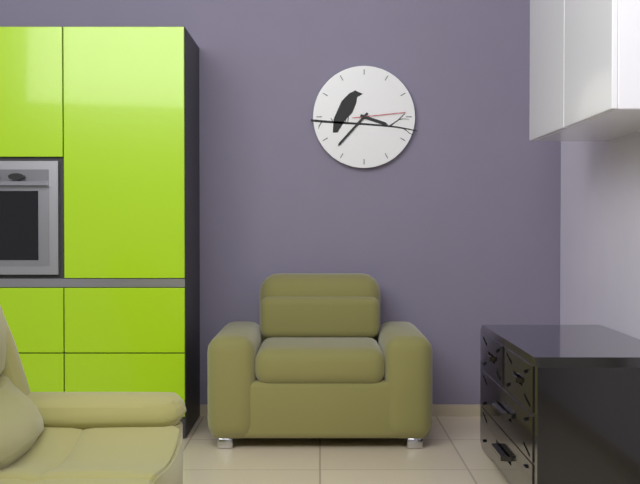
3:37:14
